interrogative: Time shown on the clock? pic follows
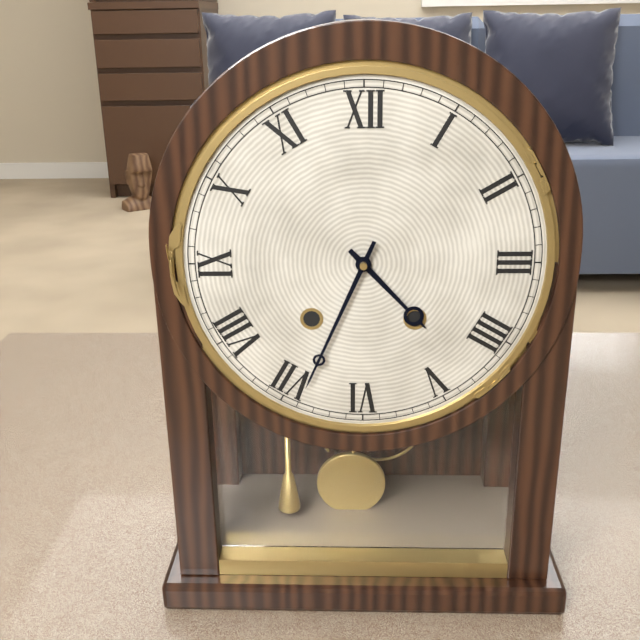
4:34
